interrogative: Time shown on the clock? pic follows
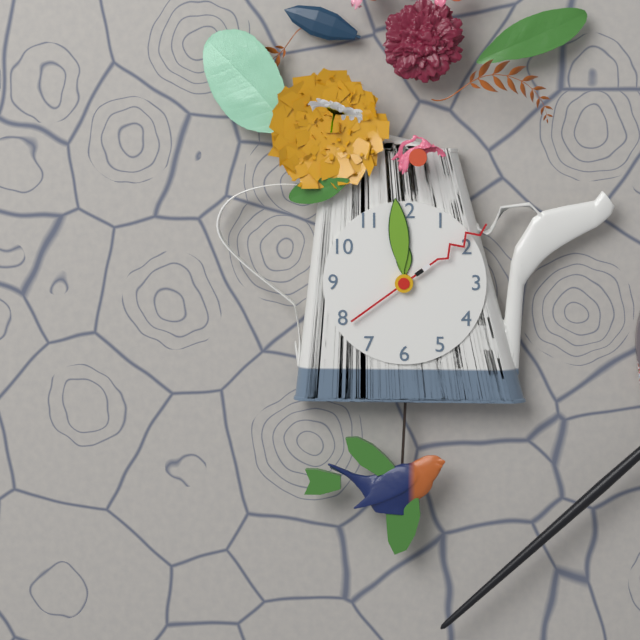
11:59:09
